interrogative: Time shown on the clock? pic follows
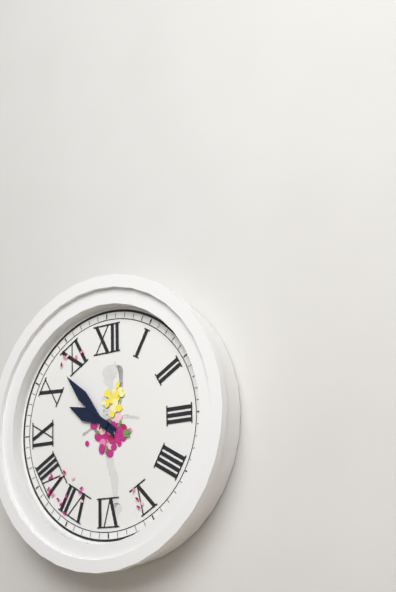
9:53
